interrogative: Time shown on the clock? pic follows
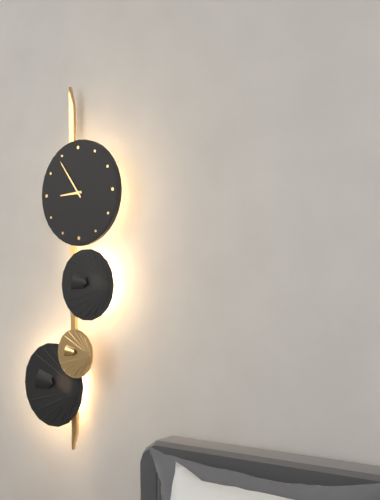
8:54
